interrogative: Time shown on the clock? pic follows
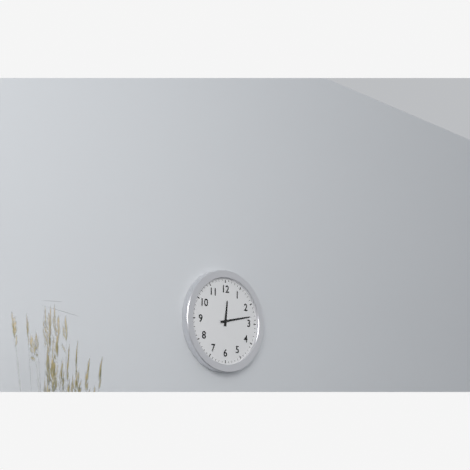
12:13
